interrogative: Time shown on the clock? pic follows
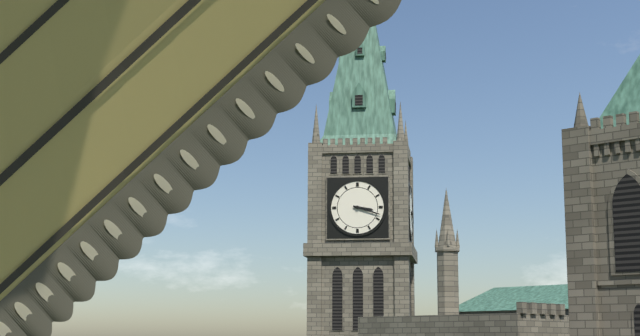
3:18
